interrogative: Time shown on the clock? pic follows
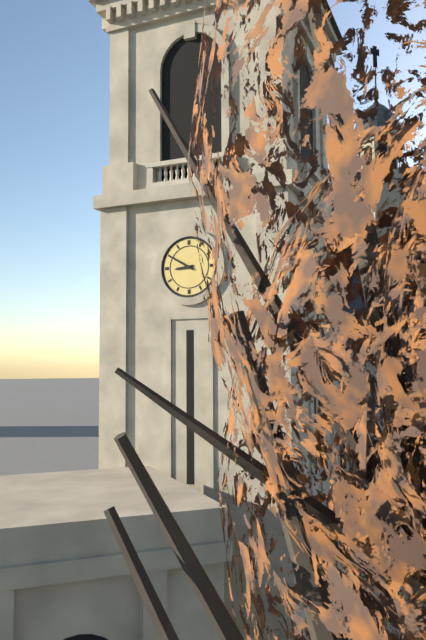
8:50
